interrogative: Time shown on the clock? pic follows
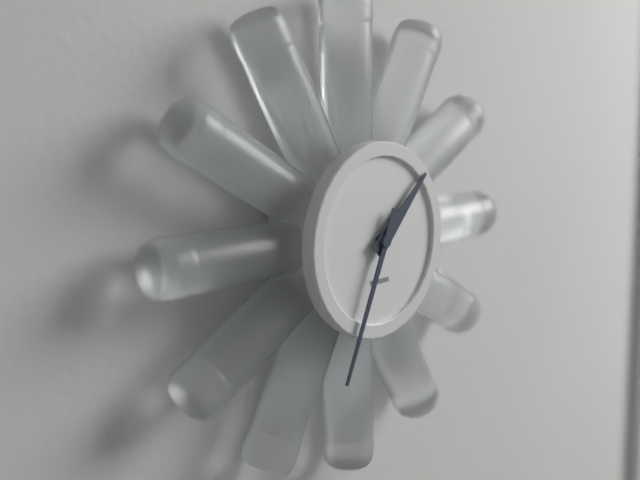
1:34
